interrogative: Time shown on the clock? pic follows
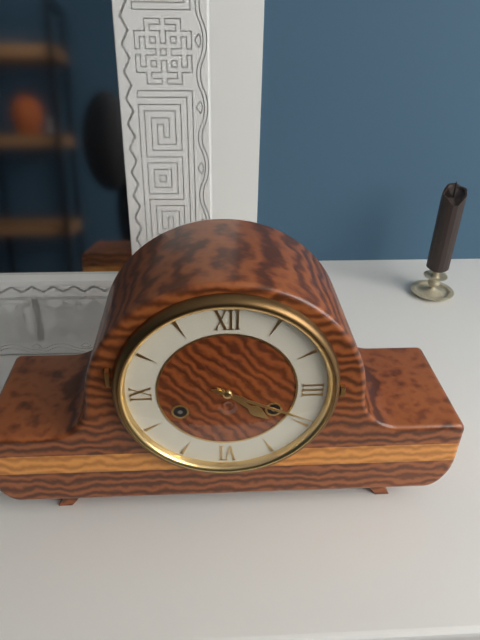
4:19
